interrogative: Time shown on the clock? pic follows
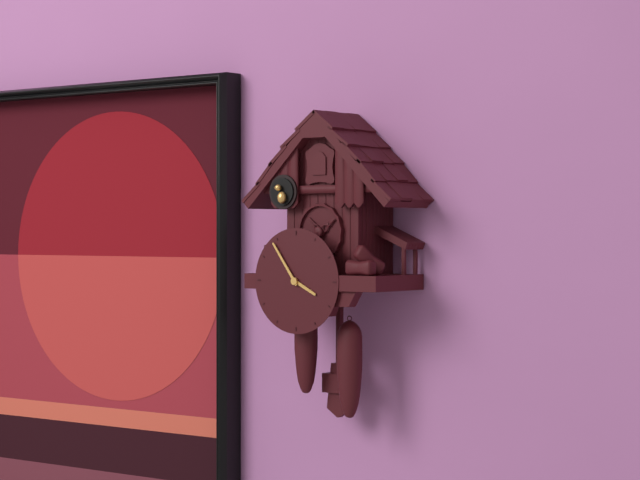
3:54
